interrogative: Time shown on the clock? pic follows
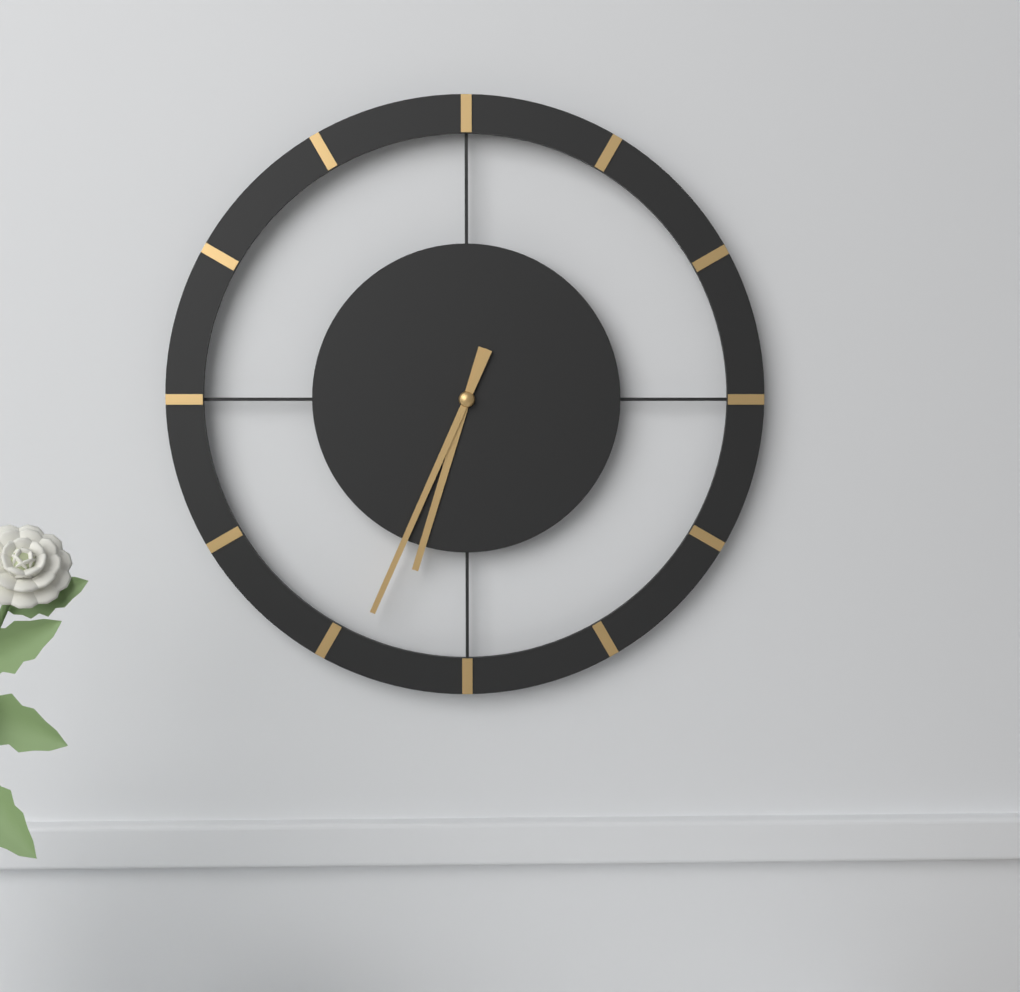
6:34
